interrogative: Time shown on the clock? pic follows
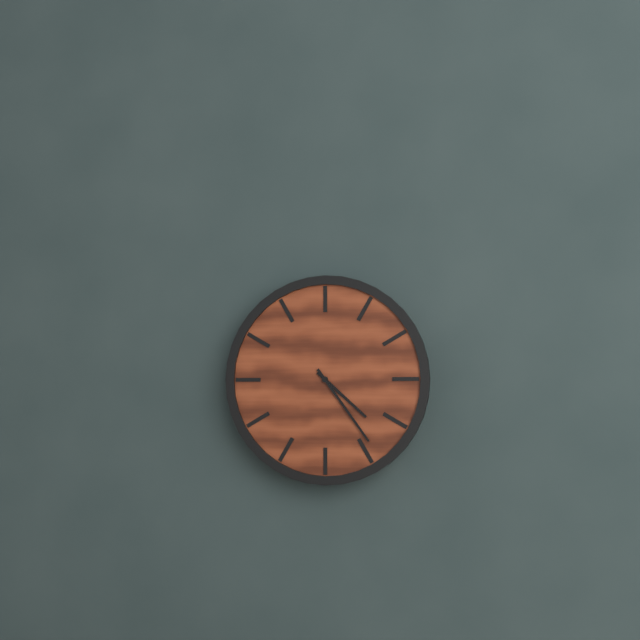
4:24
